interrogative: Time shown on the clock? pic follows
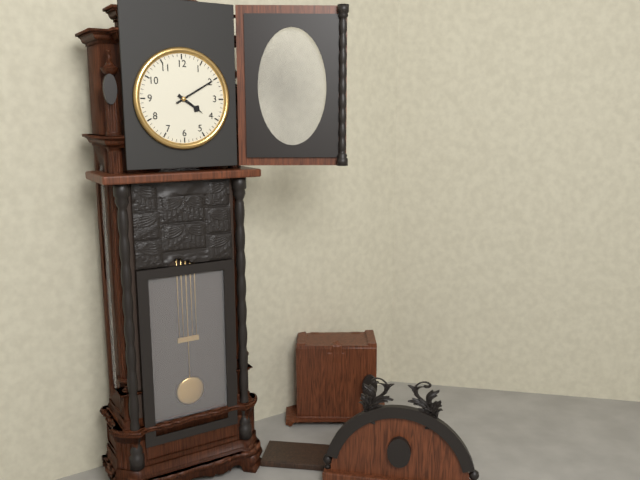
4:10
